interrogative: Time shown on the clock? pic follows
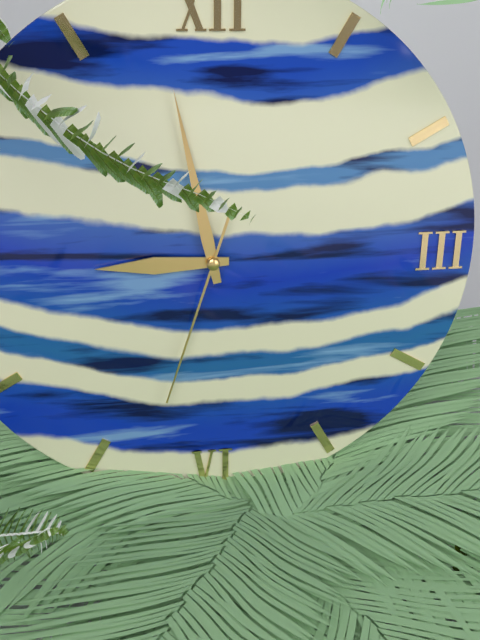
8:58:33
